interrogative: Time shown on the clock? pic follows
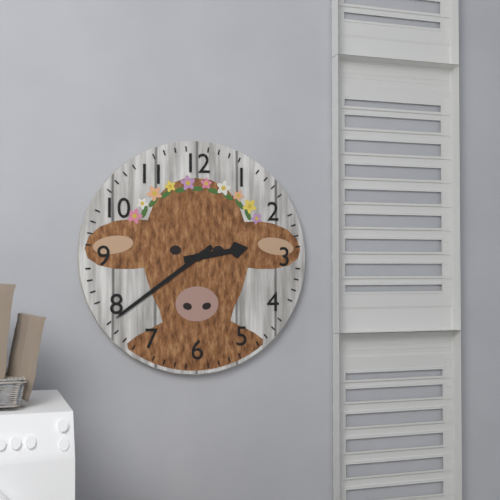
2:39
